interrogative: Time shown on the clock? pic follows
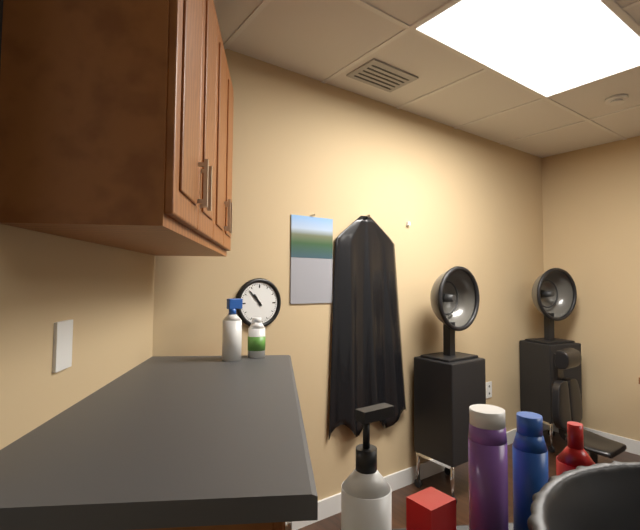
10:53
